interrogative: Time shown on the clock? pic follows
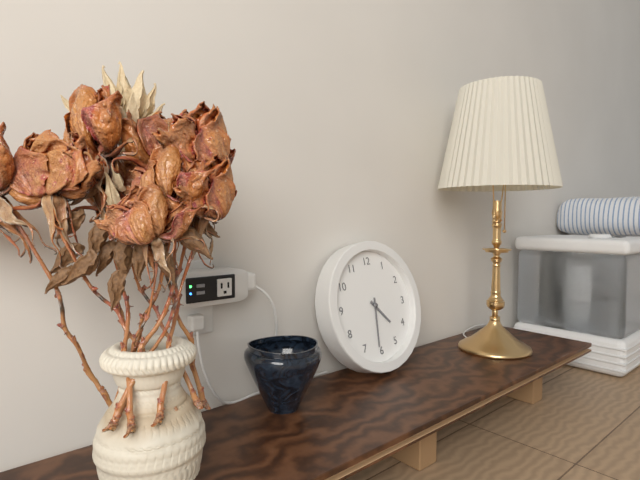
4:31
